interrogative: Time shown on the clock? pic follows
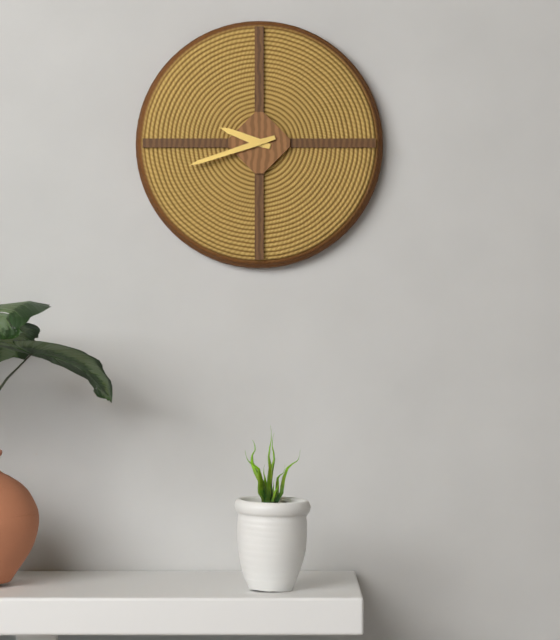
9:42
